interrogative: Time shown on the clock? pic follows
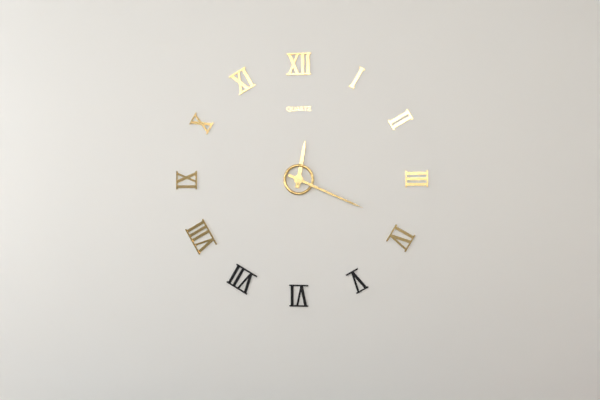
12:19
